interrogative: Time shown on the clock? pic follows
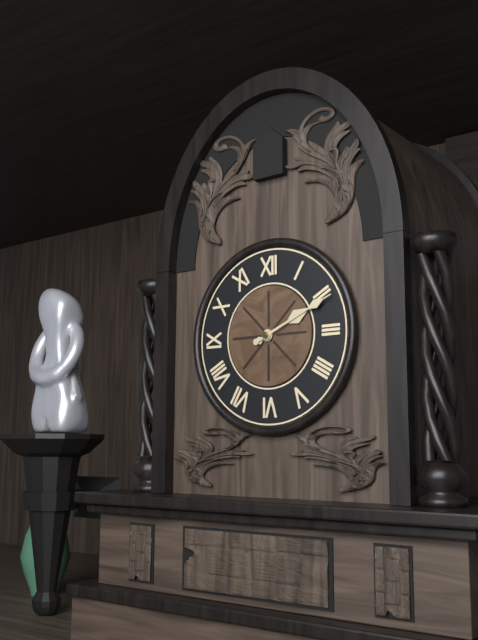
2:11
